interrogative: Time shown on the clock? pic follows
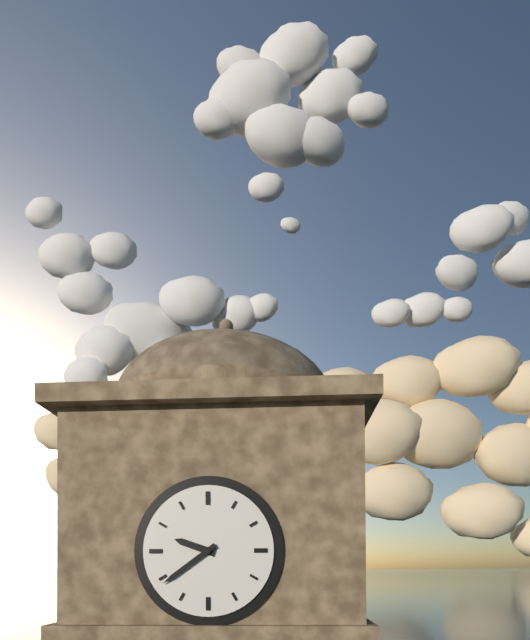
9:39
